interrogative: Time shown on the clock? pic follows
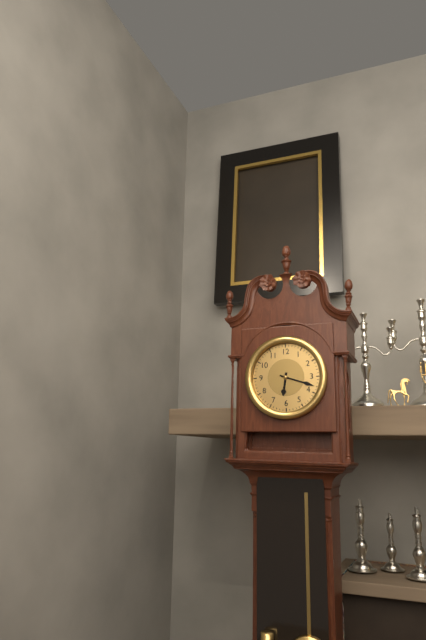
6:18
